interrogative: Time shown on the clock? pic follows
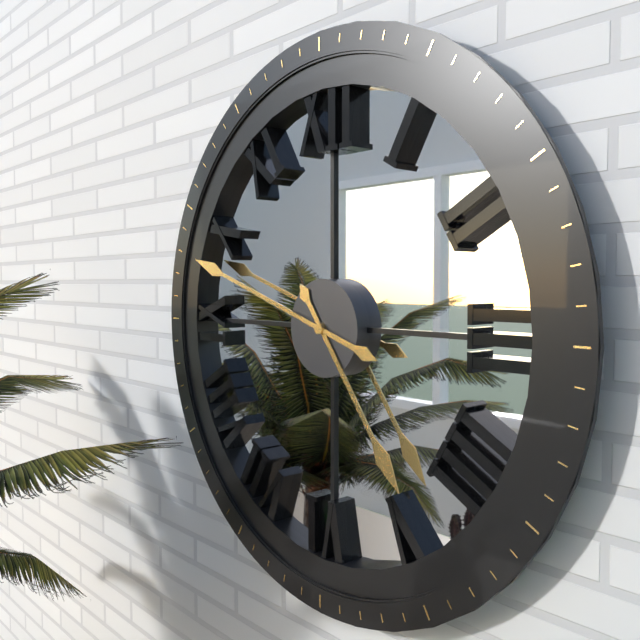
4:48
